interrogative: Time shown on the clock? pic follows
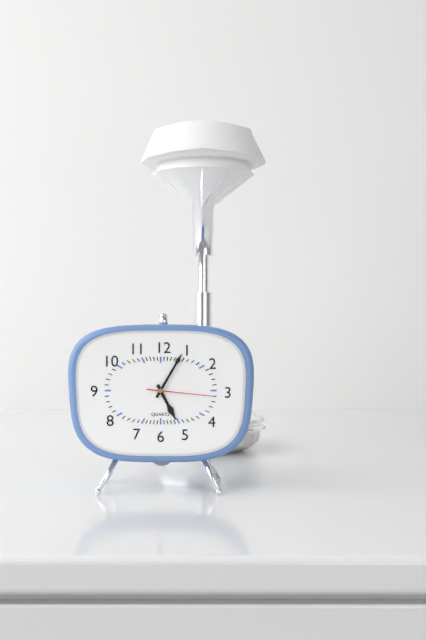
5:05:16
